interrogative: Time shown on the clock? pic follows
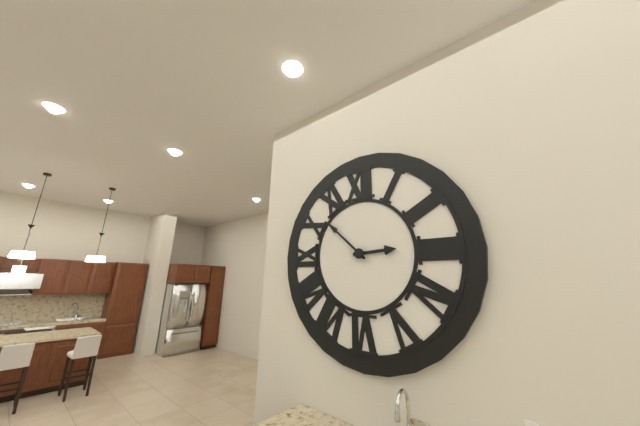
2:52
